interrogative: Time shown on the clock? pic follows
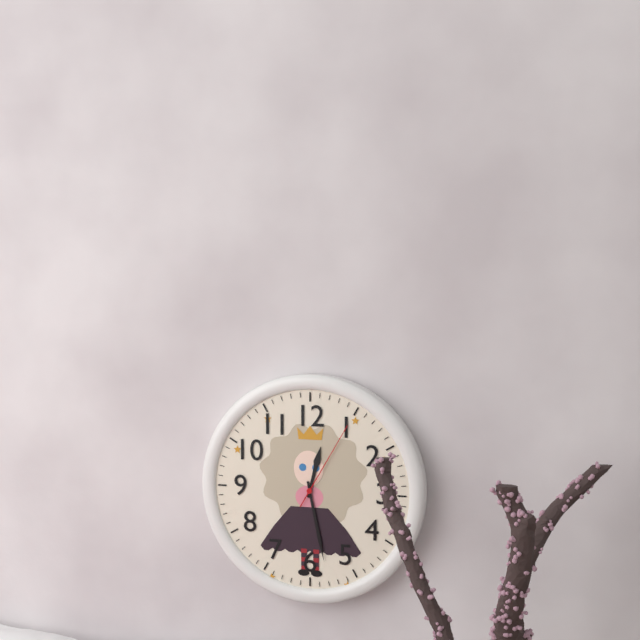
12:28:05
